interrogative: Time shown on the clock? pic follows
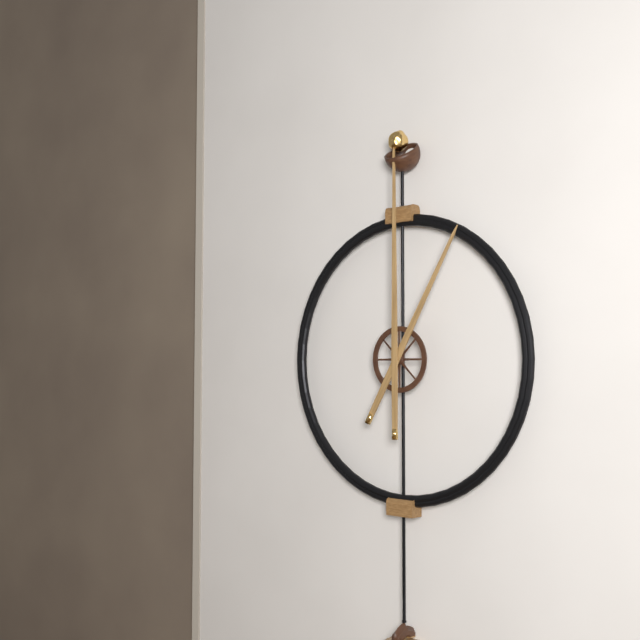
1:00
